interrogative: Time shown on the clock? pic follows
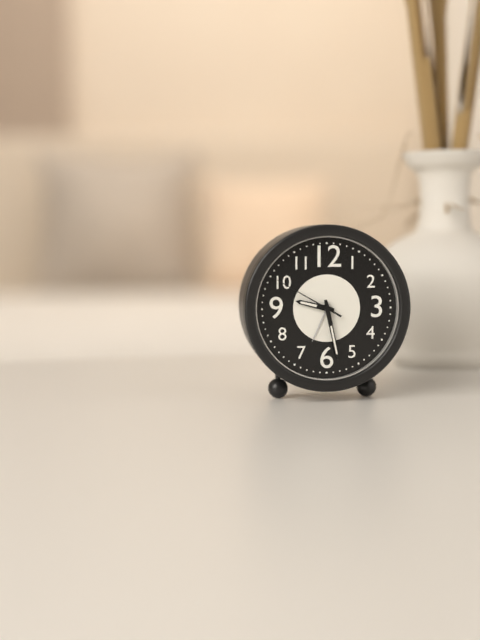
9:28:50
